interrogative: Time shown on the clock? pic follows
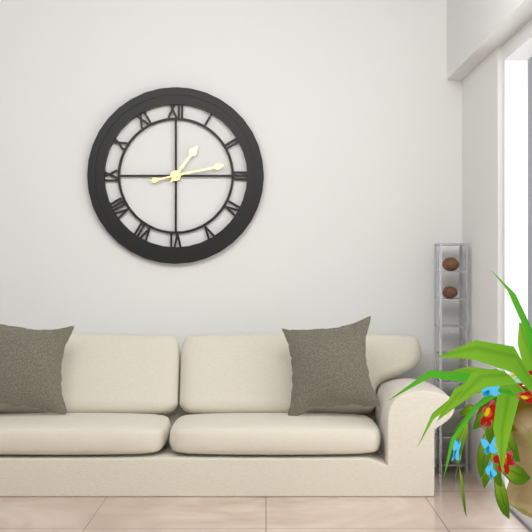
1:13
